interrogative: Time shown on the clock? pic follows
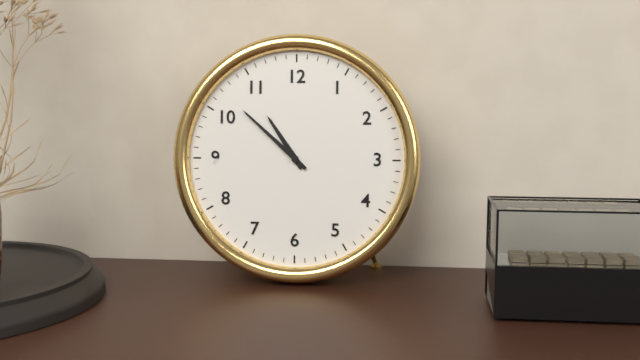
10:52
